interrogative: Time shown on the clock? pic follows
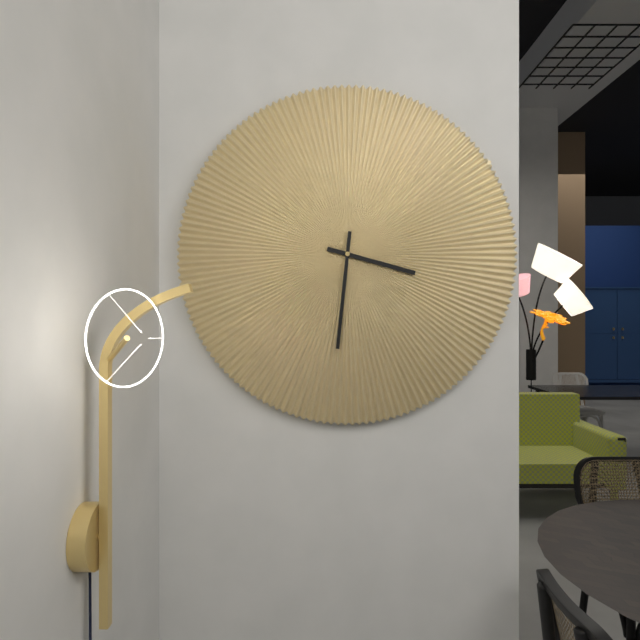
3:31
